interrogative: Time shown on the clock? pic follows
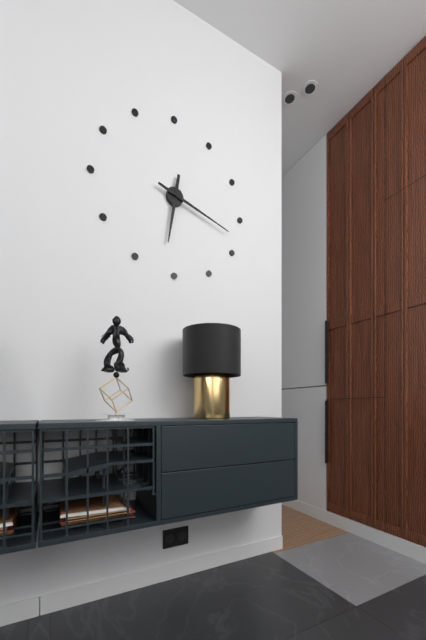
6:18
